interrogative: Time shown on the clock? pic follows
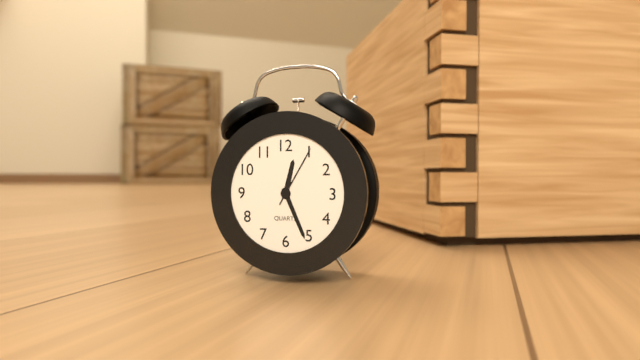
12:26:05
